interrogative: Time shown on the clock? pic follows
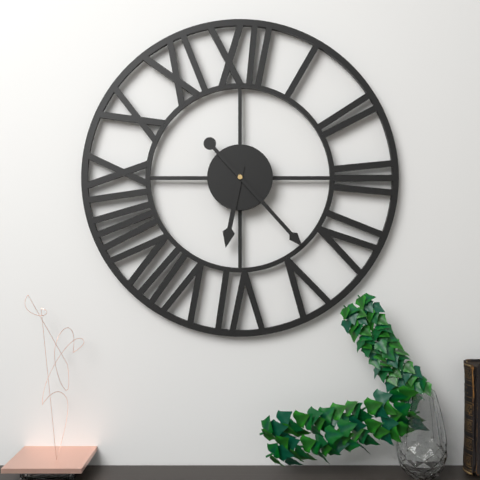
6:23
